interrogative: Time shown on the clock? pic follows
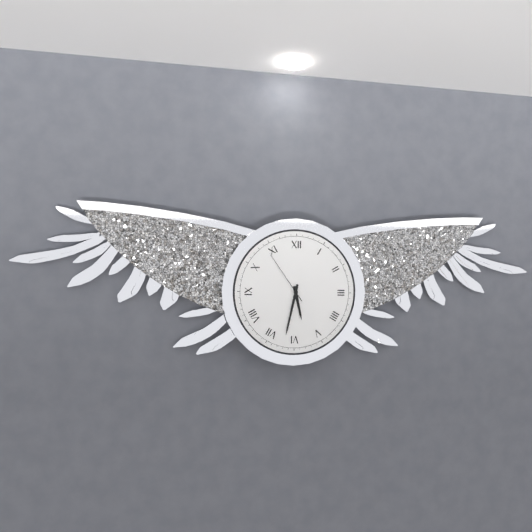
5:32:54
